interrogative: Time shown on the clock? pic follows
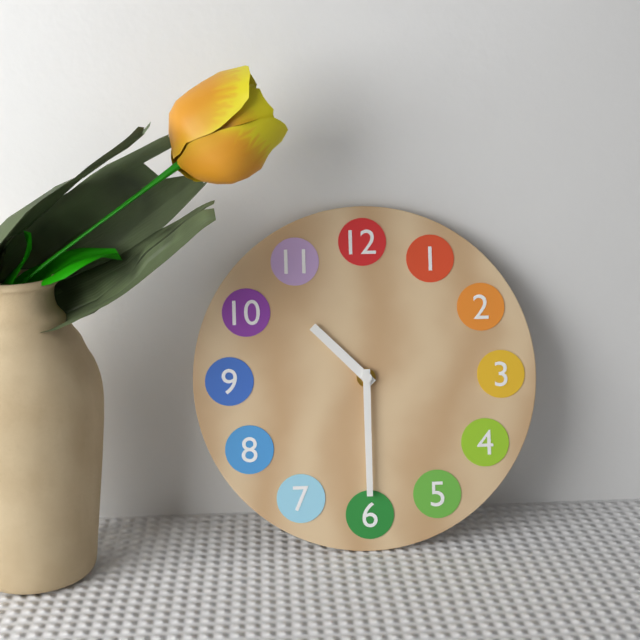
10:30
